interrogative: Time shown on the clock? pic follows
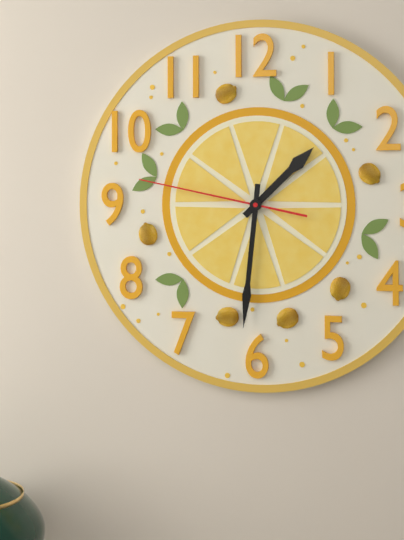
1:31:47
